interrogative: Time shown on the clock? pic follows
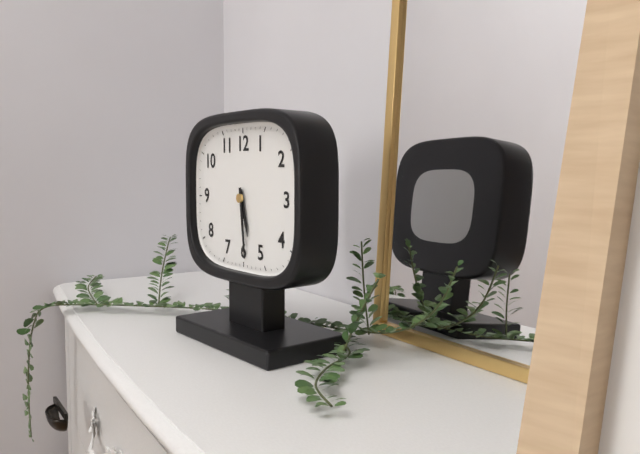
5:29
